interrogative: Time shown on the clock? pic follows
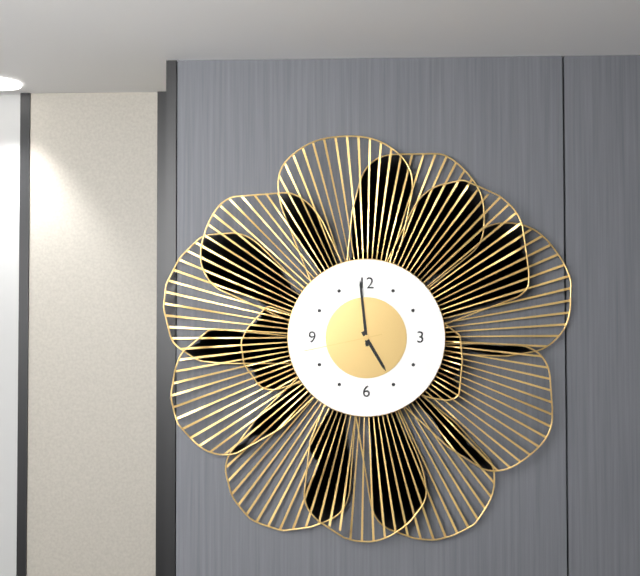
4:59:43
